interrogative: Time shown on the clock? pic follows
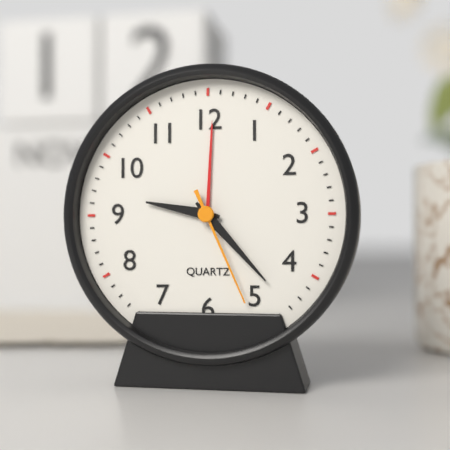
9:23:26
